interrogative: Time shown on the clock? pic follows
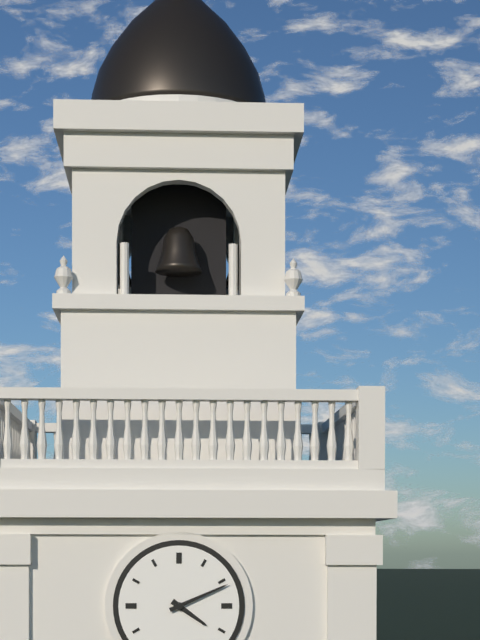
4:11
